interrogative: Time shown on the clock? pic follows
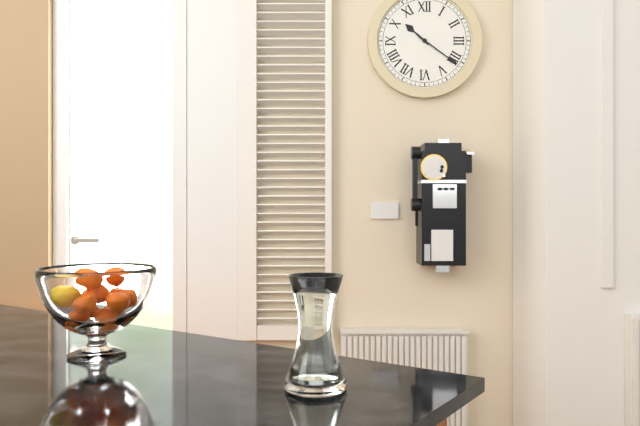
10:21
